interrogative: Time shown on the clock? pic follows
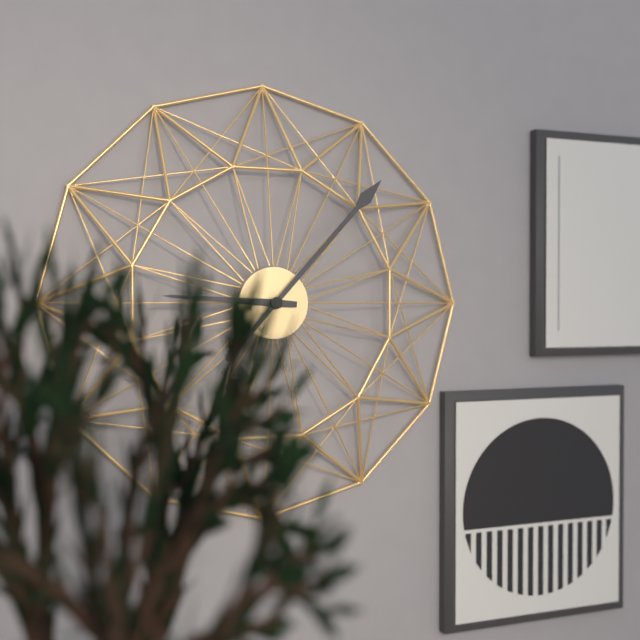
9:07
